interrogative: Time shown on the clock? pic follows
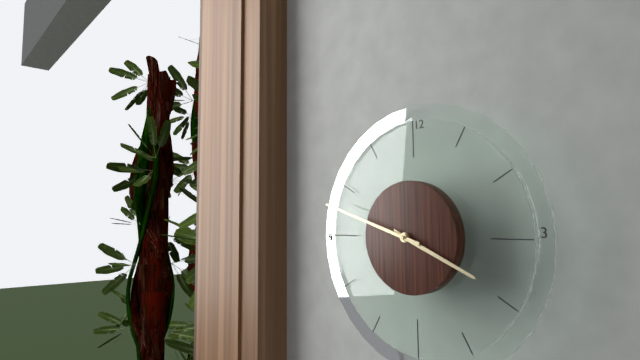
3:48
